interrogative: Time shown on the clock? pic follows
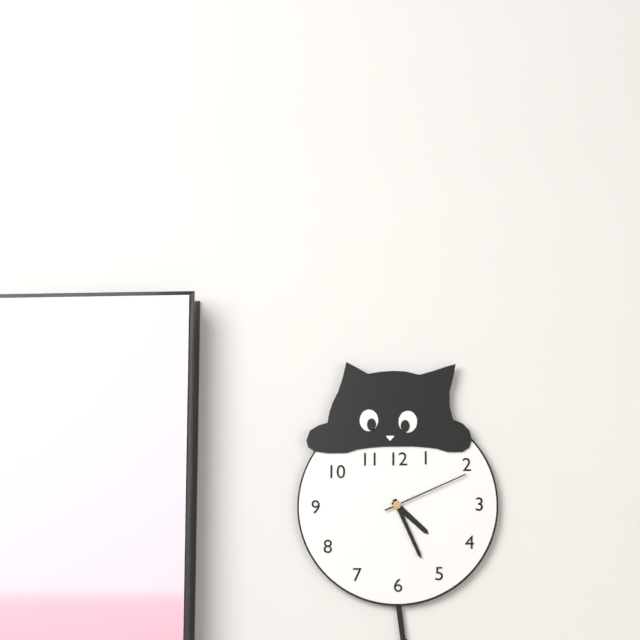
4:26:11
